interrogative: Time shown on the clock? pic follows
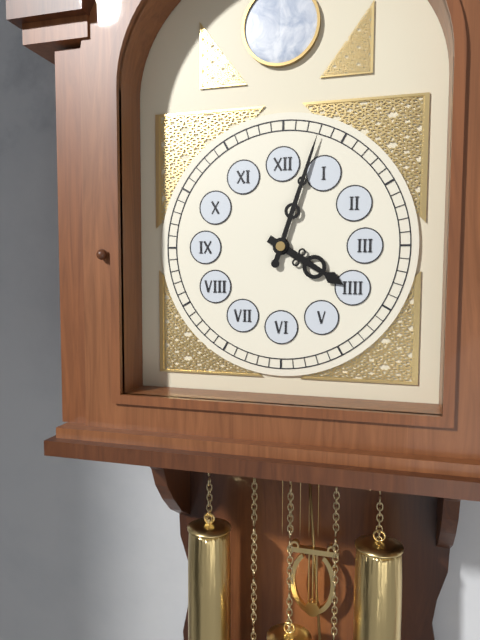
4:03
